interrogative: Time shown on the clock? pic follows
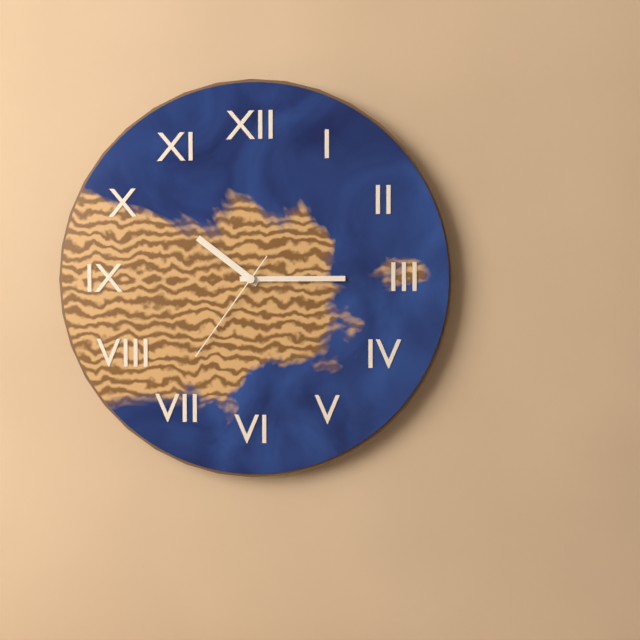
10:15:36
